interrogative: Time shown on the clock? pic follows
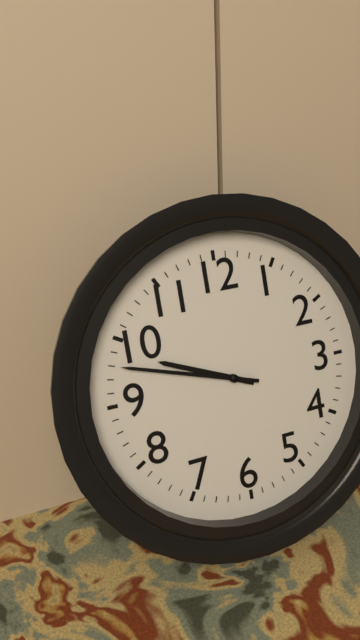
9:48
